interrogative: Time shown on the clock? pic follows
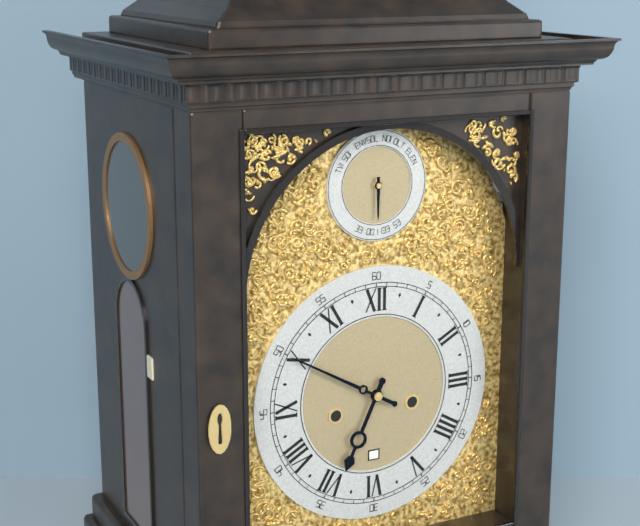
6:50
